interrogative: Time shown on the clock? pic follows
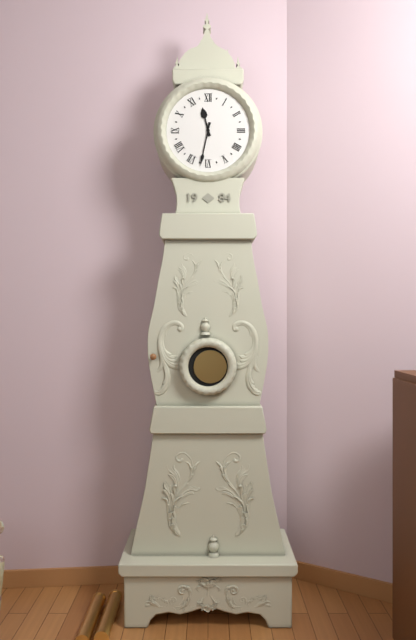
11:32
